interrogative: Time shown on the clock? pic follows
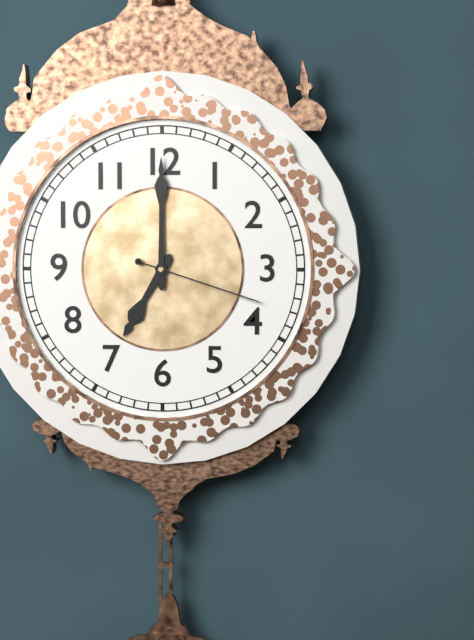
7:00:18
